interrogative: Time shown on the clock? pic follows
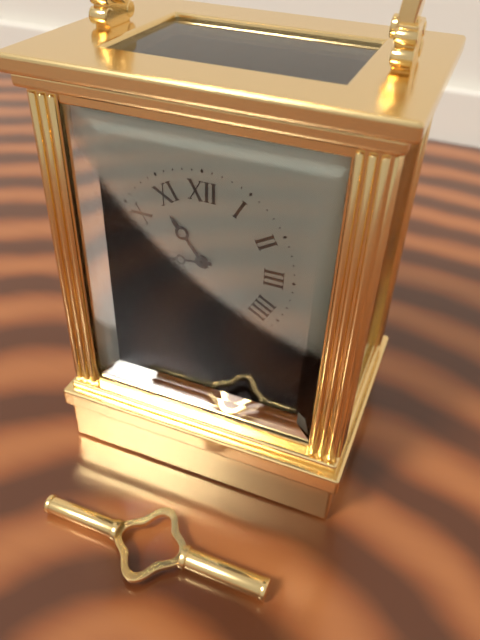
10:44
